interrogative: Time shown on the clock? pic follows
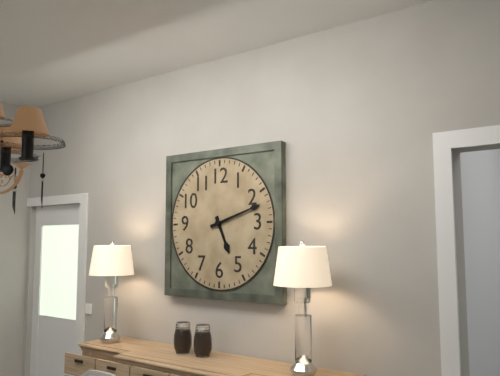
5:12
